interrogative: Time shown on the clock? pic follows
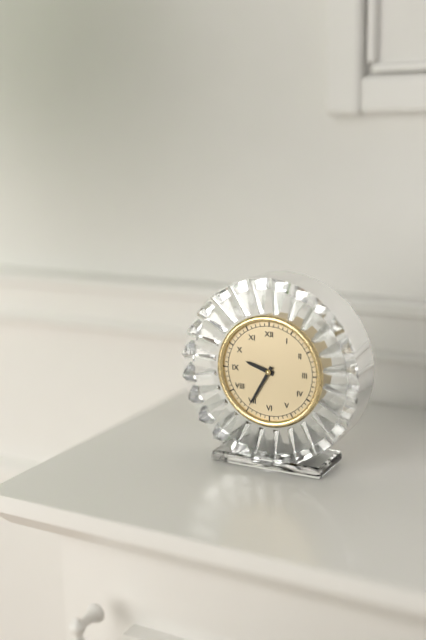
9:35
